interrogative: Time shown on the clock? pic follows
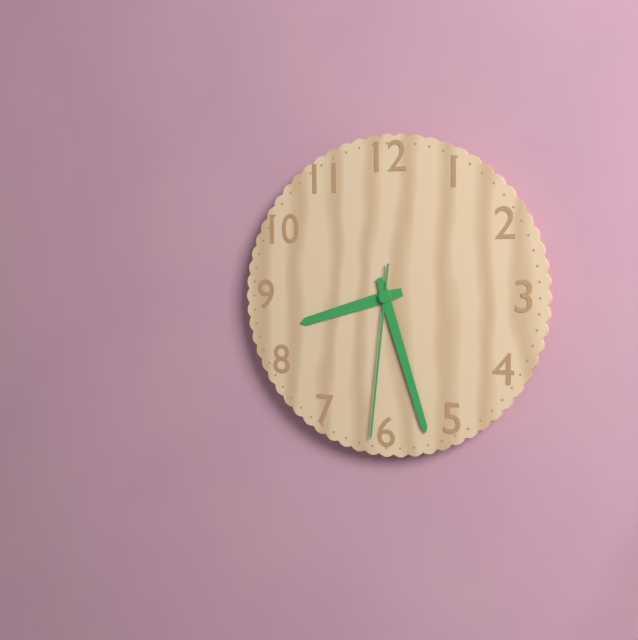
8:27:31
